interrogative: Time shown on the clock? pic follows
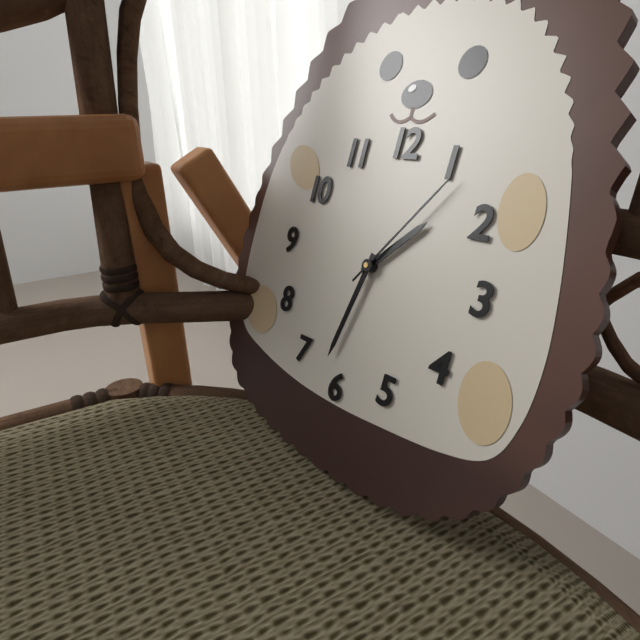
1:32:06
